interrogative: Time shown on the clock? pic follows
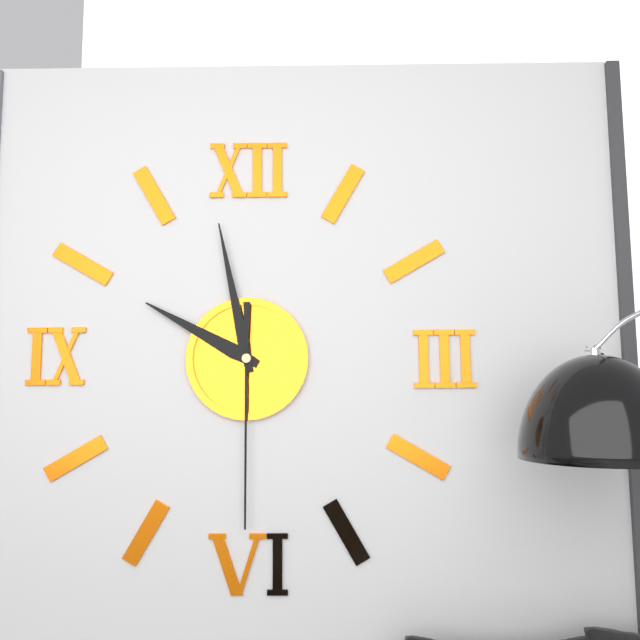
9:58:30
